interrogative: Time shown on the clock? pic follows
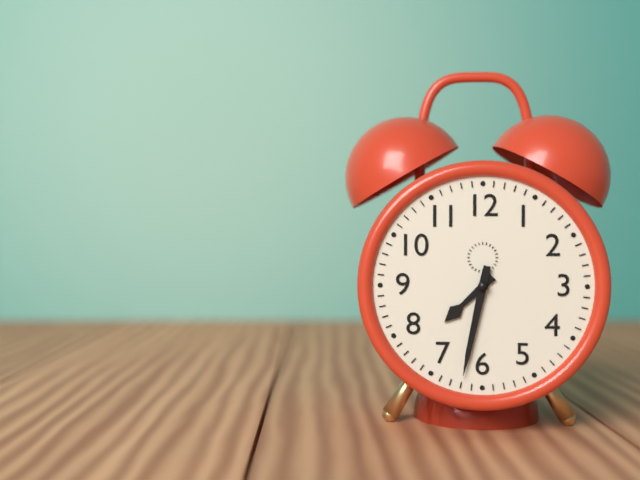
7:32
